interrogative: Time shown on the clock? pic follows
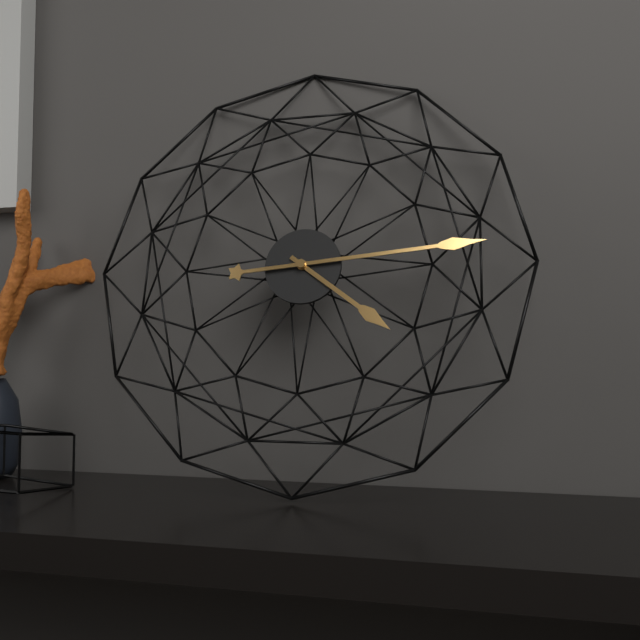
4:14
